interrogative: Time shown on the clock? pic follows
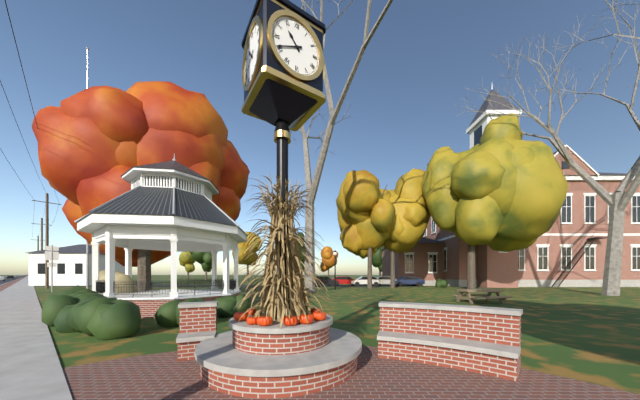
10:41
